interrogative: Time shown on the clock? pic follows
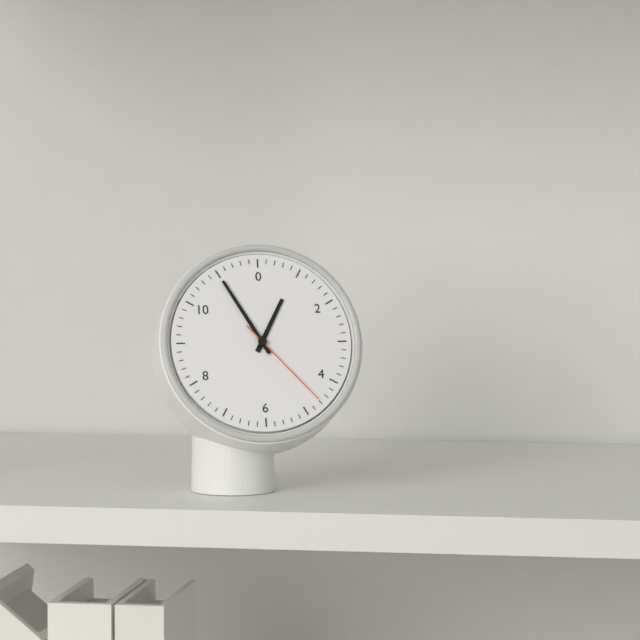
12:55:23
